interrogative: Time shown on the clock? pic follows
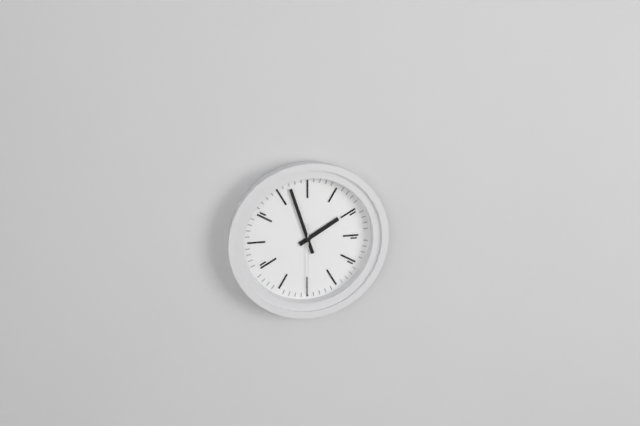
1:57:30
